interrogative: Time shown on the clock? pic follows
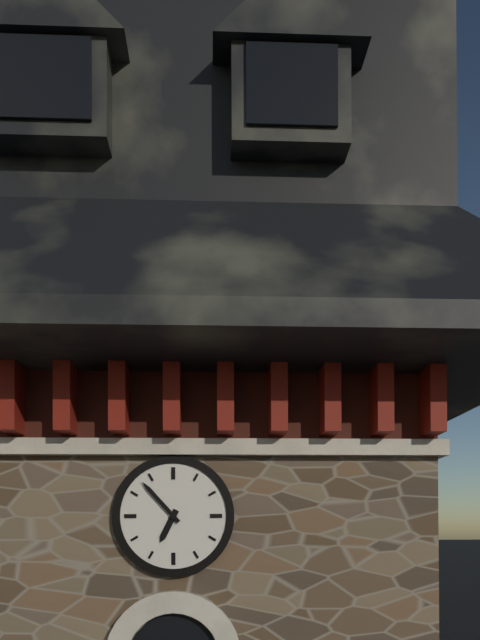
6:53
